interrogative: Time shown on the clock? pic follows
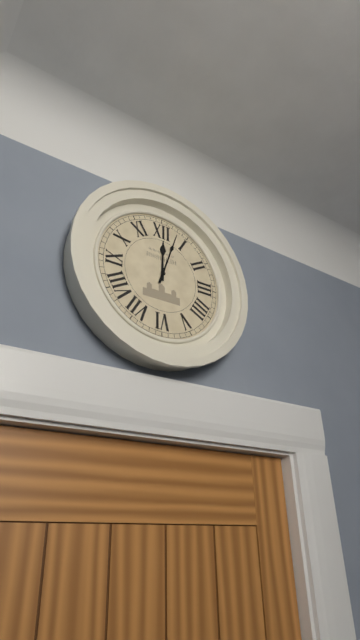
12:03
